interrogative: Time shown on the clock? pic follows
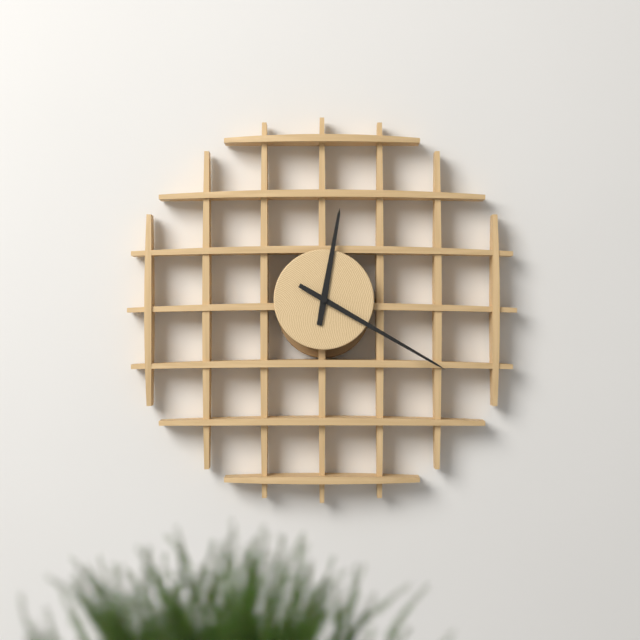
12:20
